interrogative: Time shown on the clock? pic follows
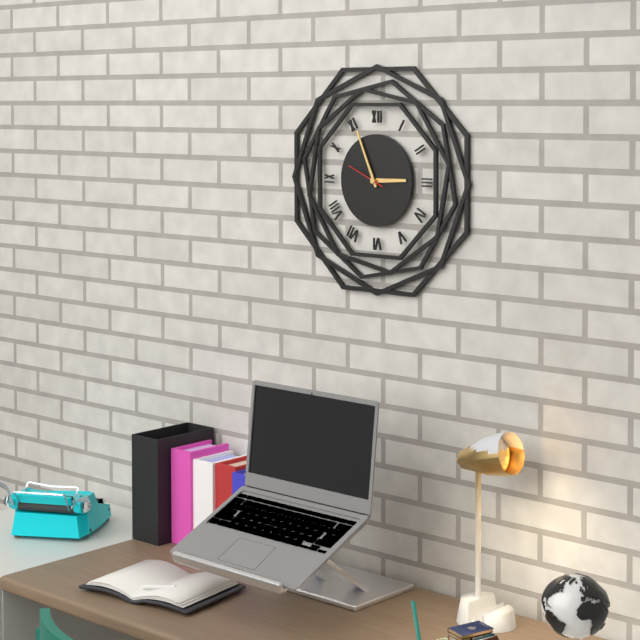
2:56
